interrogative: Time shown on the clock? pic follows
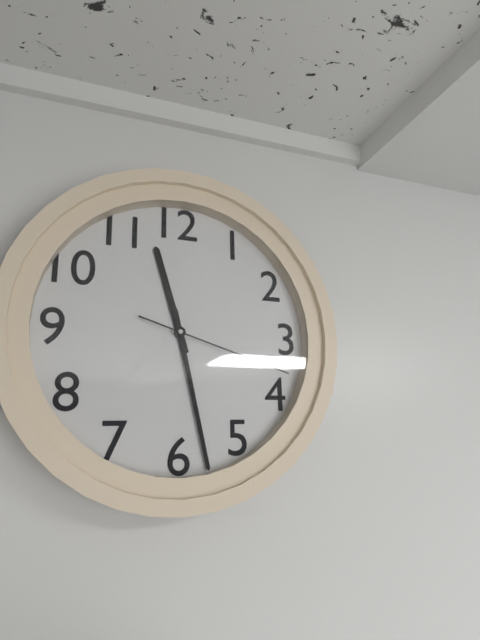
11:28:18
